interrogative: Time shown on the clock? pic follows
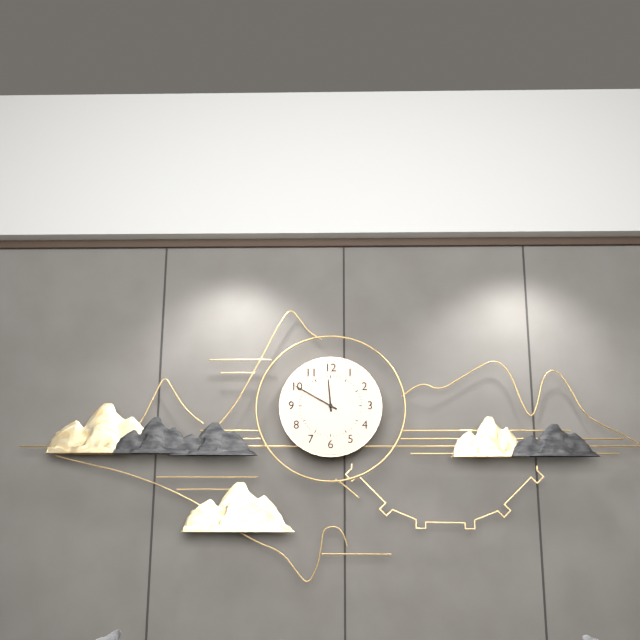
11:50
